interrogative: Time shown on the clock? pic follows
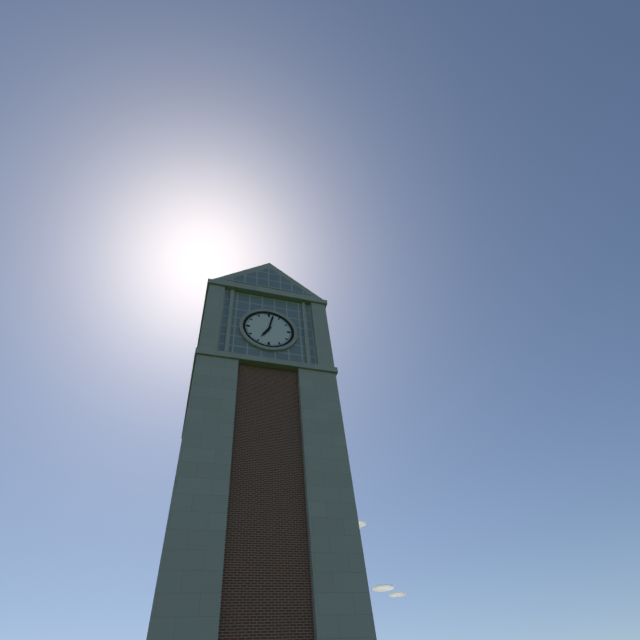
7:02
